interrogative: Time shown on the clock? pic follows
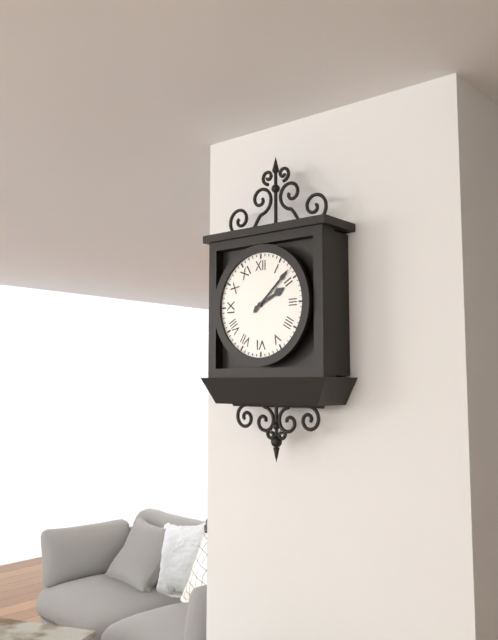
2:08
